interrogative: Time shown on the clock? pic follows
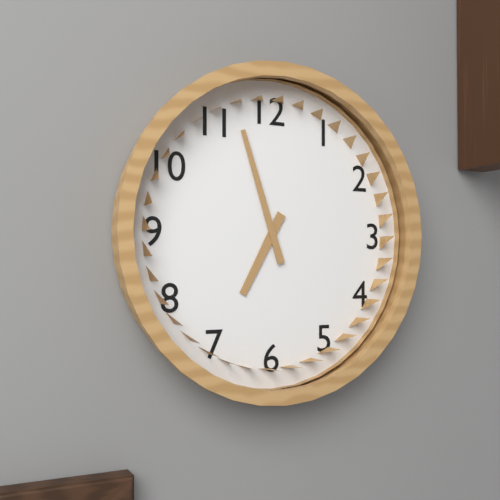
6:57
